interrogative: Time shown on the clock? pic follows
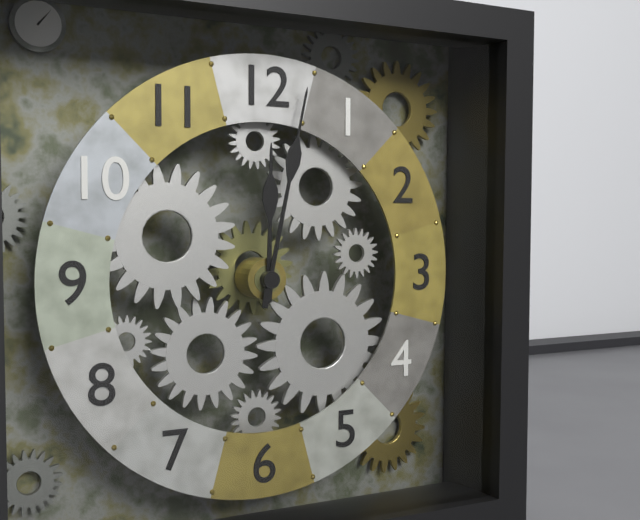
12:02
